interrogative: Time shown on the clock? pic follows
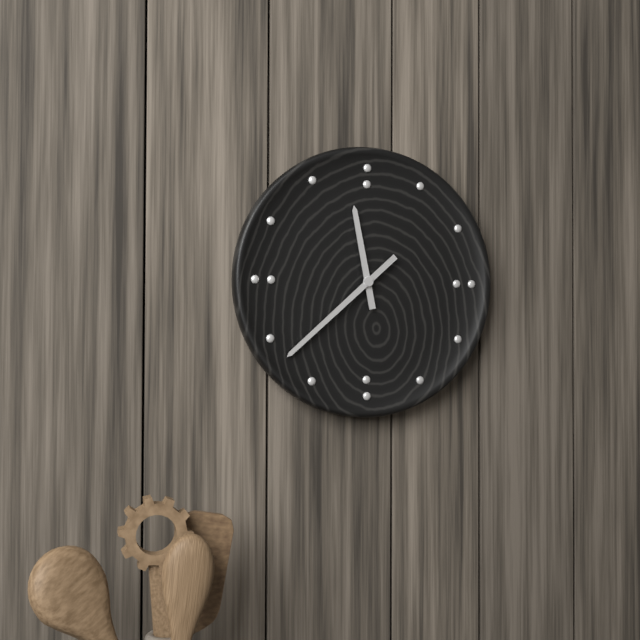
11:38
